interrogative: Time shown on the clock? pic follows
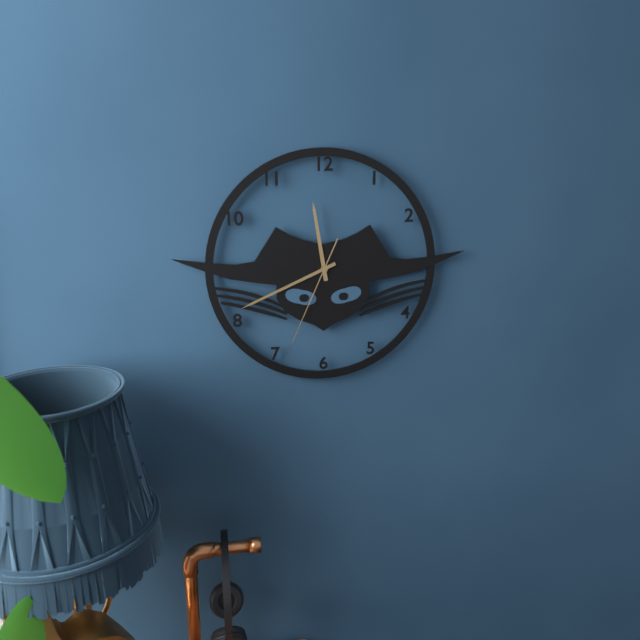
11:41:34
